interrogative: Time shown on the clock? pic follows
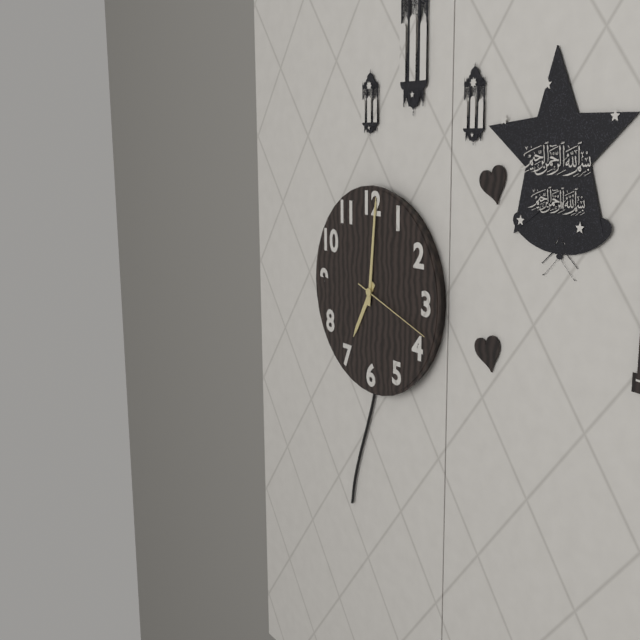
7:01:18
